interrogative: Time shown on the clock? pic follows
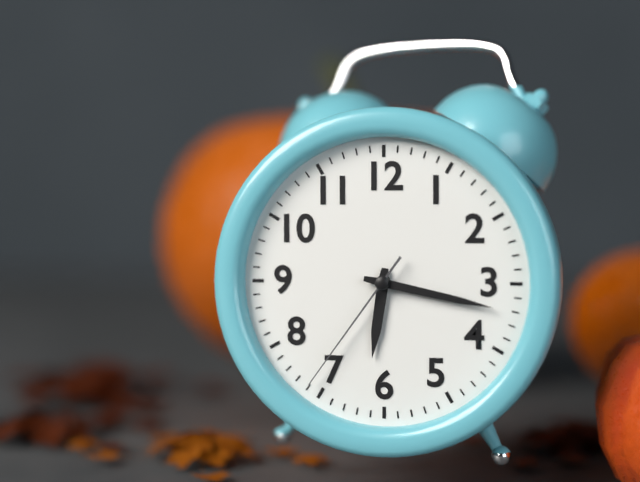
6:17:36
